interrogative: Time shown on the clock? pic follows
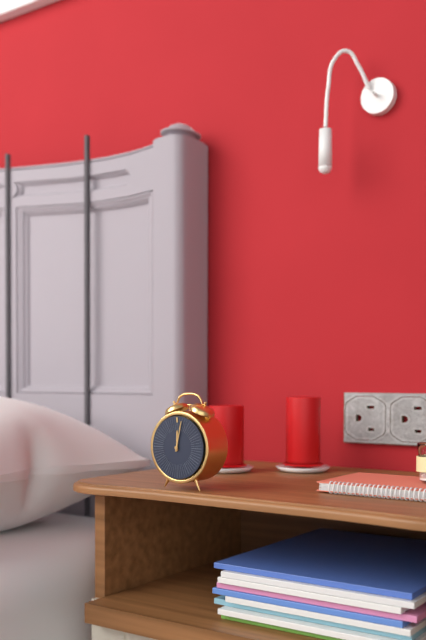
12:02
